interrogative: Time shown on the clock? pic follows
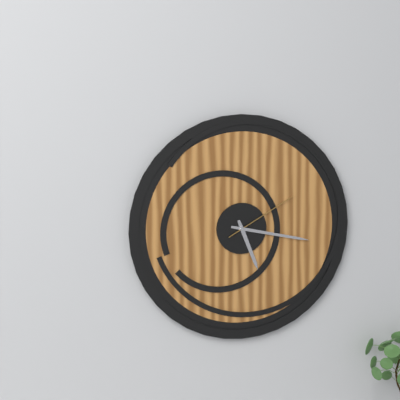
5:17:10
